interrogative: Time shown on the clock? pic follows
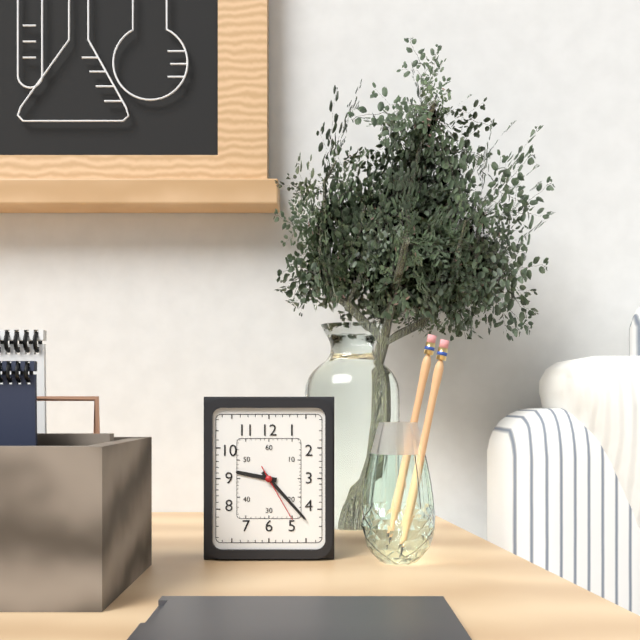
9:23:25
